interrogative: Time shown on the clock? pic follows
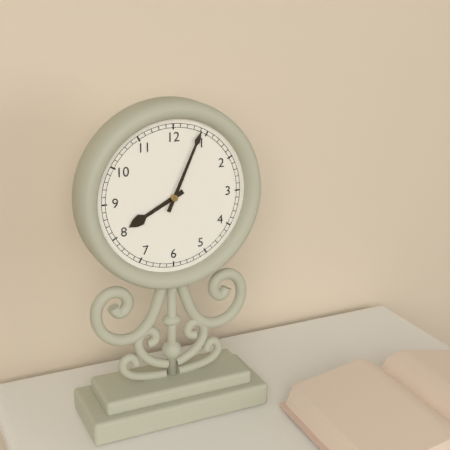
8:04
